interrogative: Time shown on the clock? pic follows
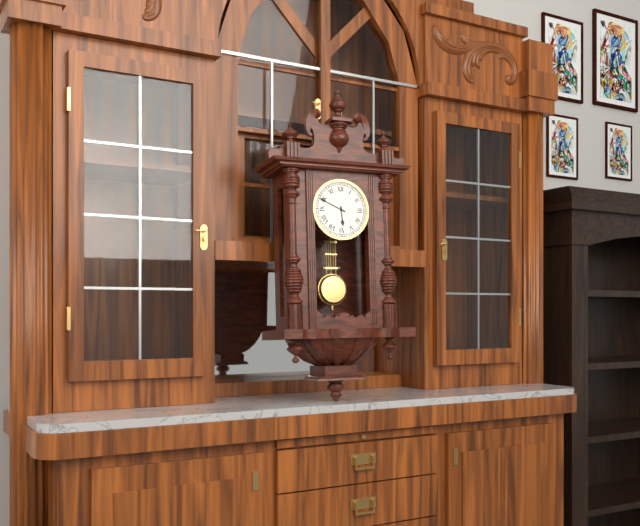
5:49
